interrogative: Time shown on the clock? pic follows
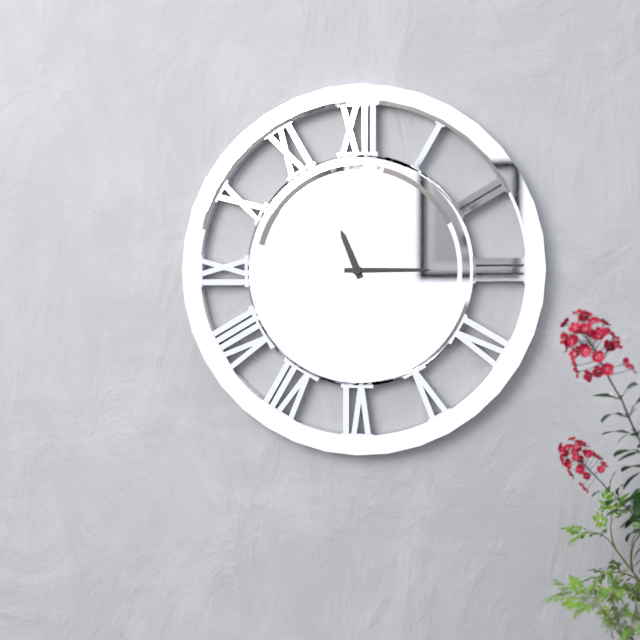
11:15
